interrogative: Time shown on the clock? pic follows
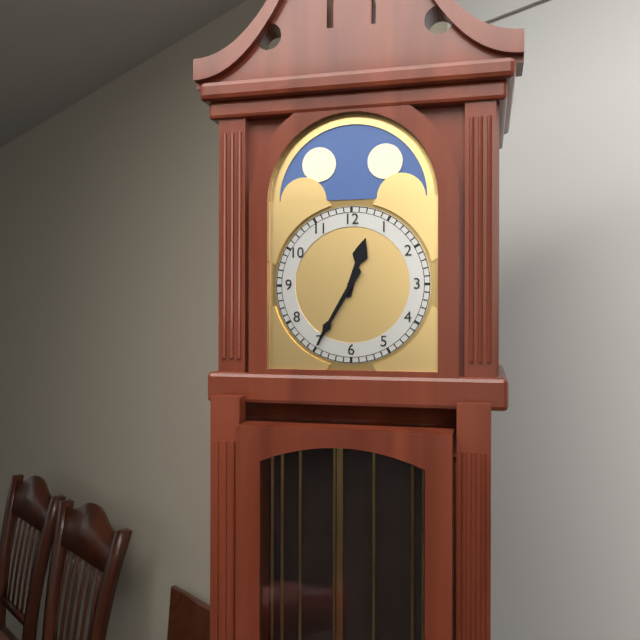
12:35
